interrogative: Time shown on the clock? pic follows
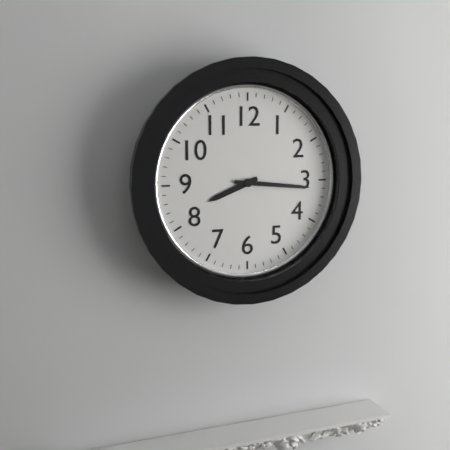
8:16
